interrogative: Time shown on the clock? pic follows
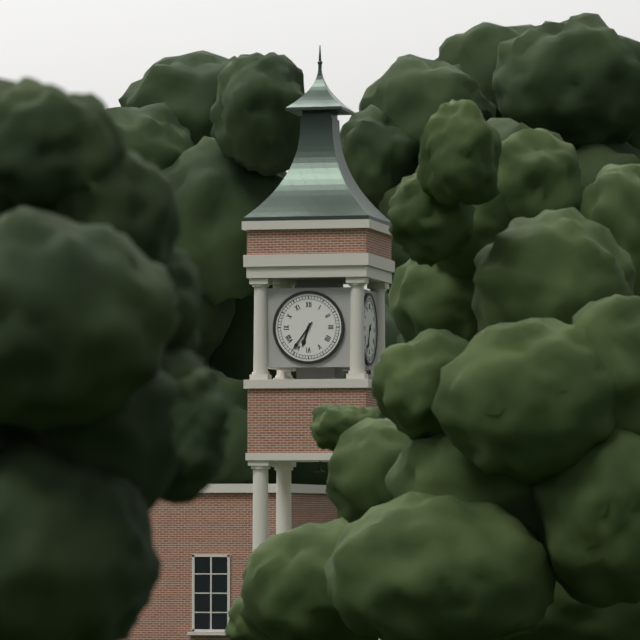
6:36
